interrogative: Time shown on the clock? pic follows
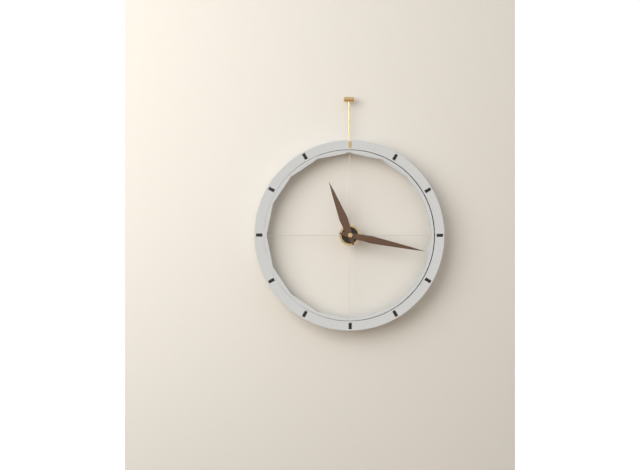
11:17
